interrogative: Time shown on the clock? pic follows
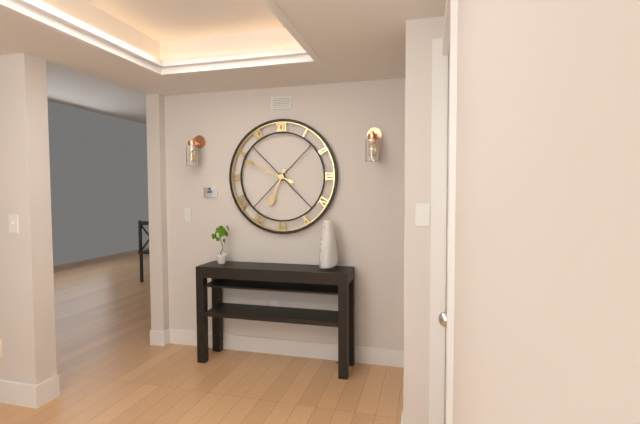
6:49
